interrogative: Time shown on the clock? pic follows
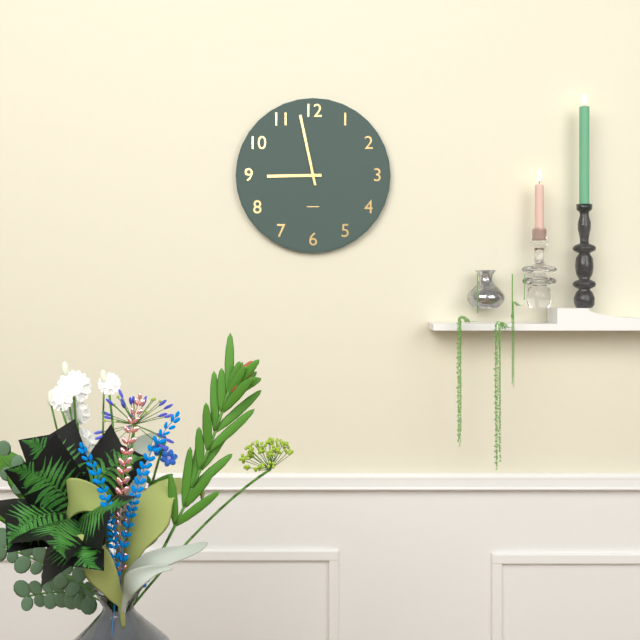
8:58
